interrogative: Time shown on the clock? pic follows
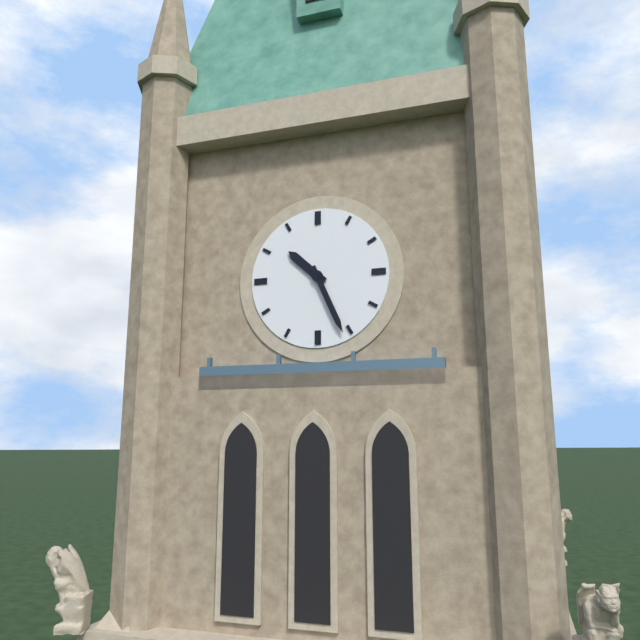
10:26
